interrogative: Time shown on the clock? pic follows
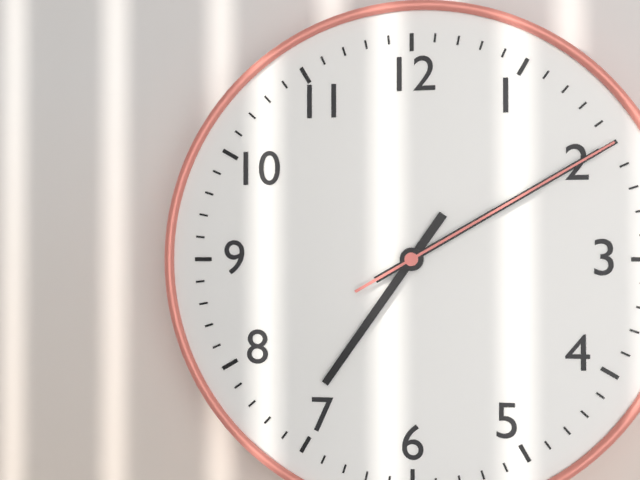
7:10:10
